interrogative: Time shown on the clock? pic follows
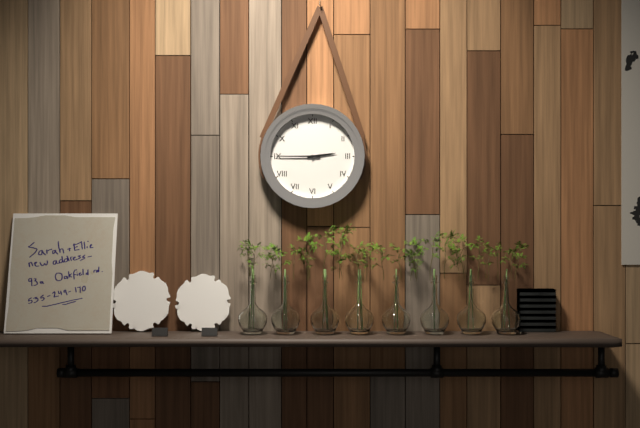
2:45
